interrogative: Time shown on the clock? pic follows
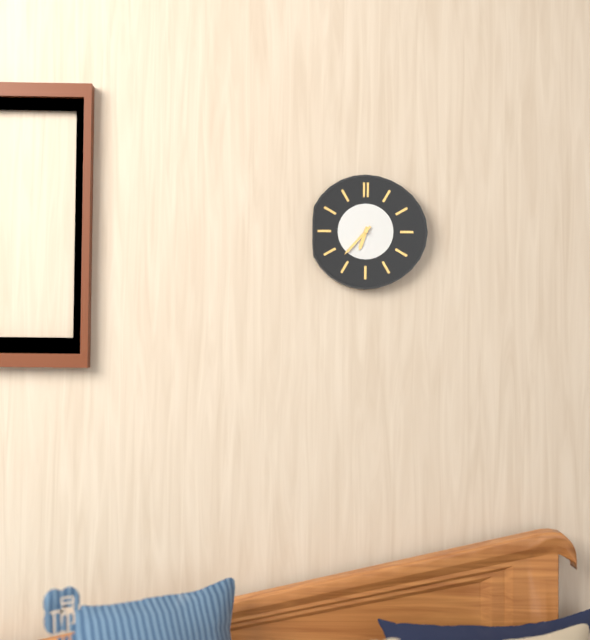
6:37
